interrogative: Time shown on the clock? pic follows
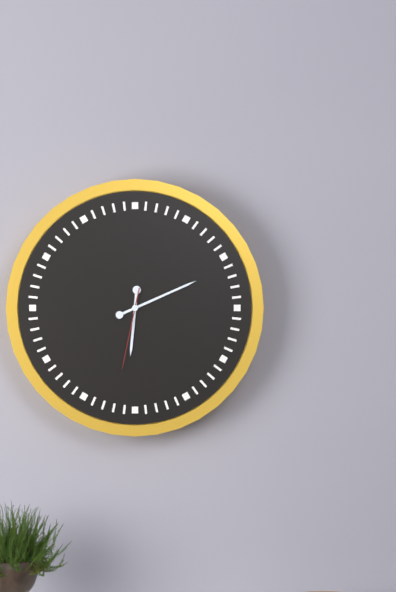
6:11:32
